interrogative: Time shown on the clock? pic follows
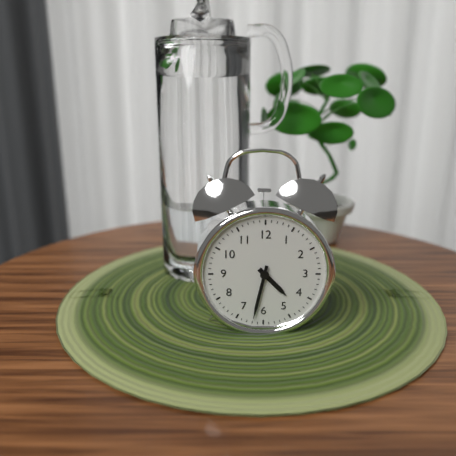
4:32
